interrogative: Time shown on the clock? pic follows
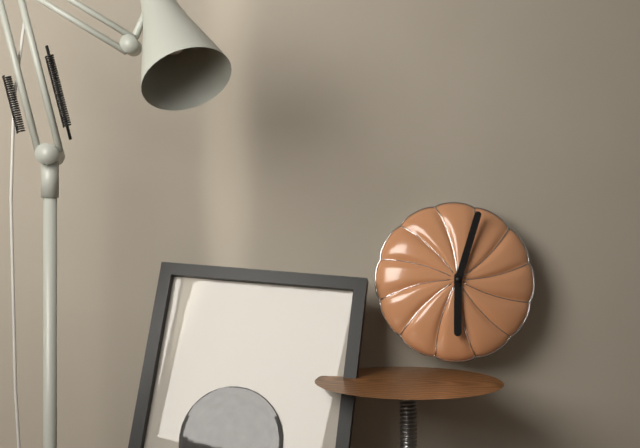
6:03
